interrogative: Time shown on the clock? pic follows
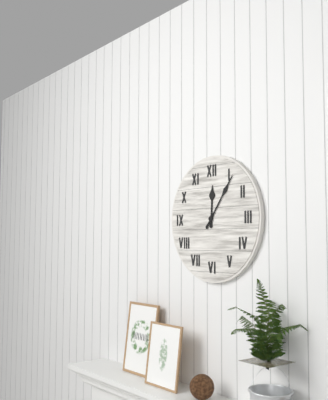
12:06
